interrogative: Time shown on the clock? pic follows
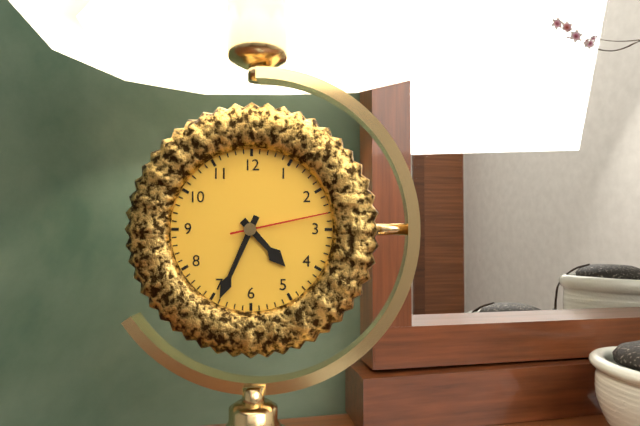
4:34:13
